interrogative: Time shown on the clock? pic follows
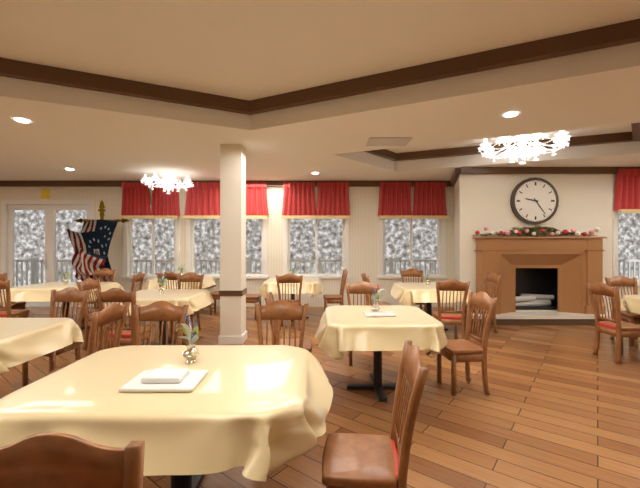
9:24
